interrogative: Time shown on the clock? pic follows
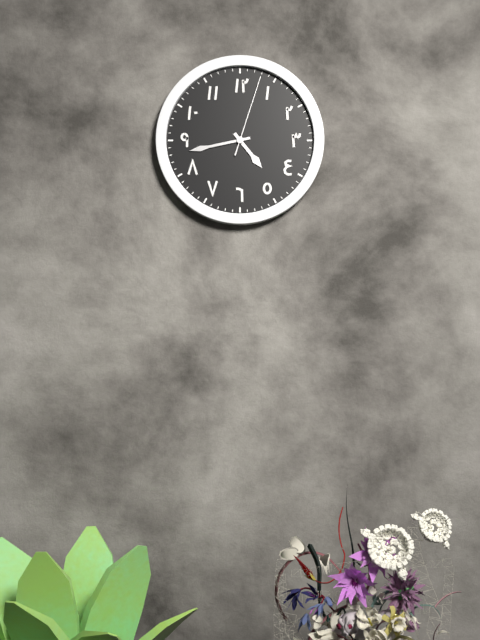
4:43:03
